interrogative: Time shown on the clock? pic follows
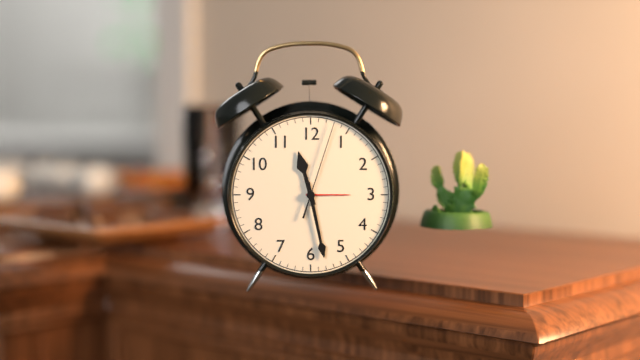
11:28:03
